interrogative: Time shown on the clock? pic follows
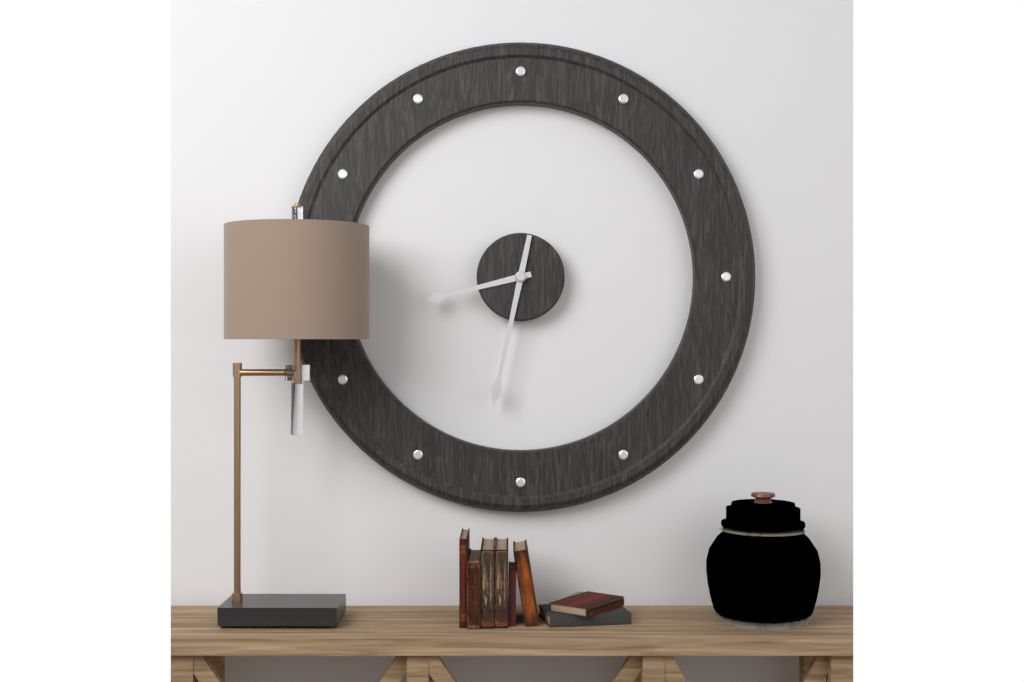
8:32
